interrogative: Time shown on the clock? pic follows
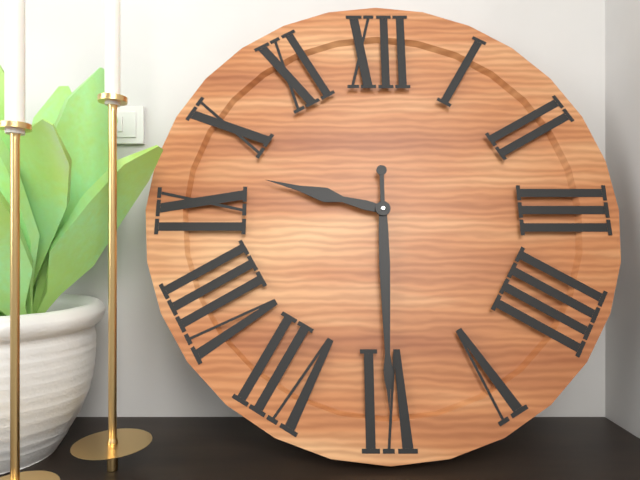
9:30
